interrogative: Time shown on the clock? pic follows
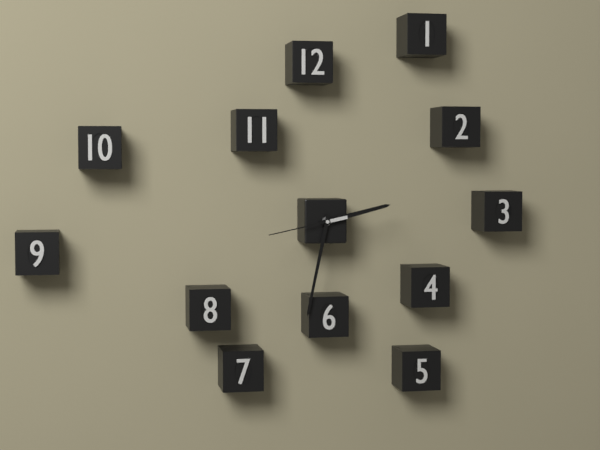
2:32:43
